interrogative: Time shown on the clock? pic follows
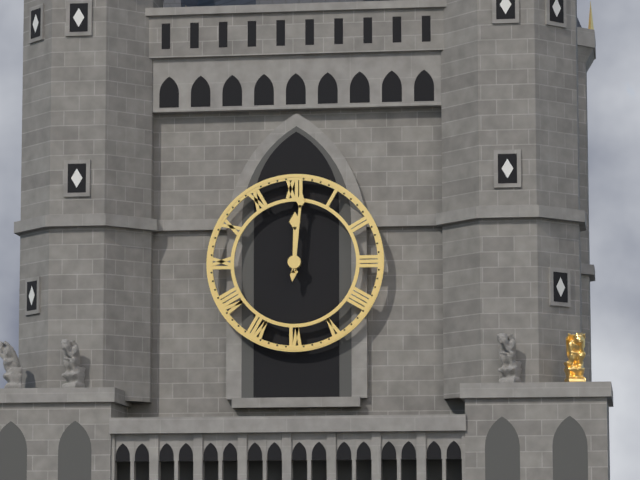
12:01
